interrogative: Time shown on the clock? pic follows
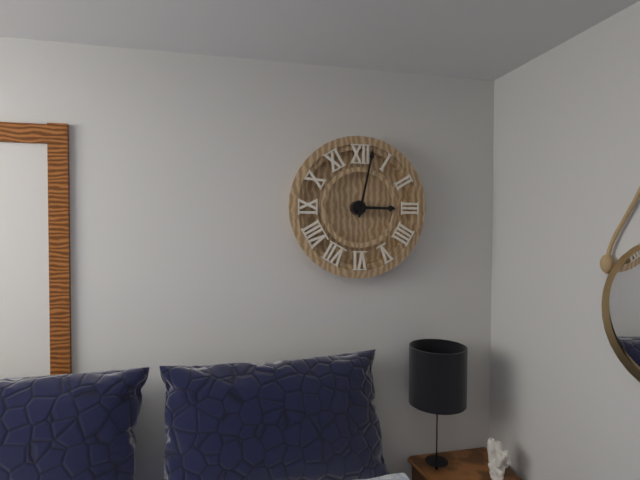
3:02
